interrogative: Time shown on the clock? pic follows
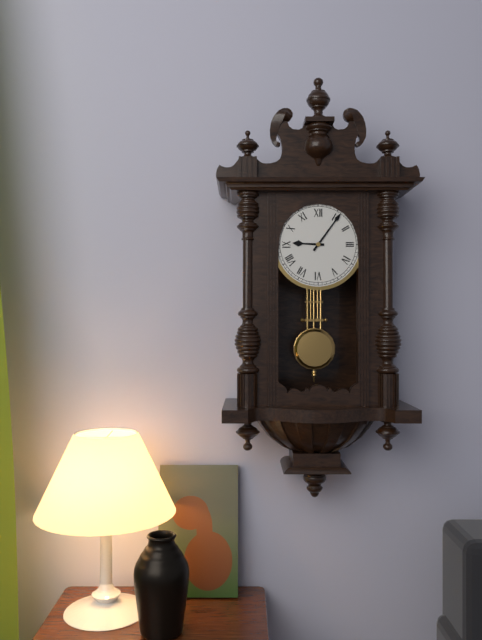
9:06
